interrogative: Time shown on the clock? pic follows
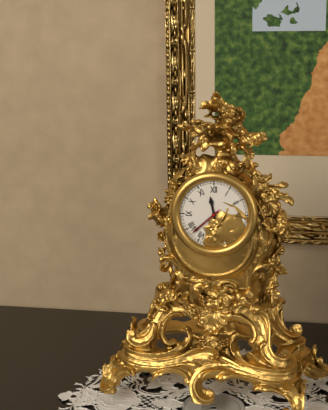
11:38
